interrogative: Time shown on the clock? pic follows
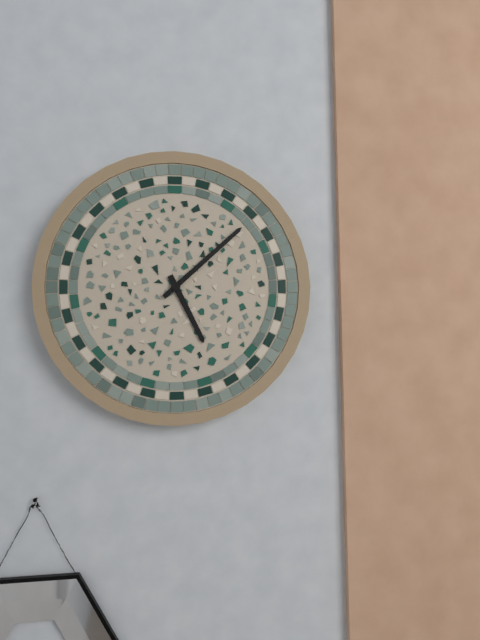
5:08
